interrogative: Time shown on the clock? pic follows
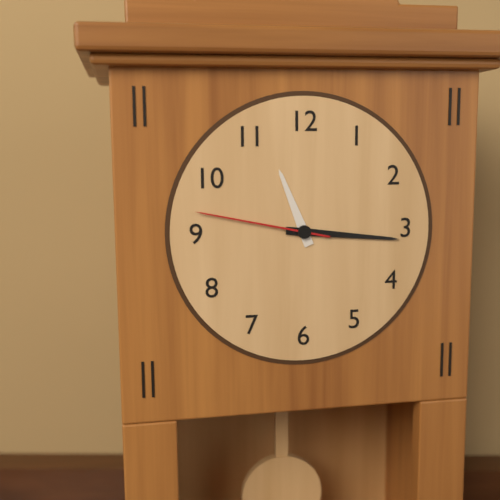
11:16:47
